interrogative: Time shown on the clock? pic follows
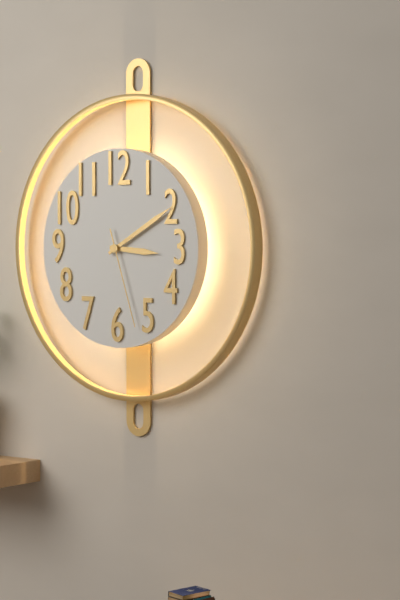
3:10:27
